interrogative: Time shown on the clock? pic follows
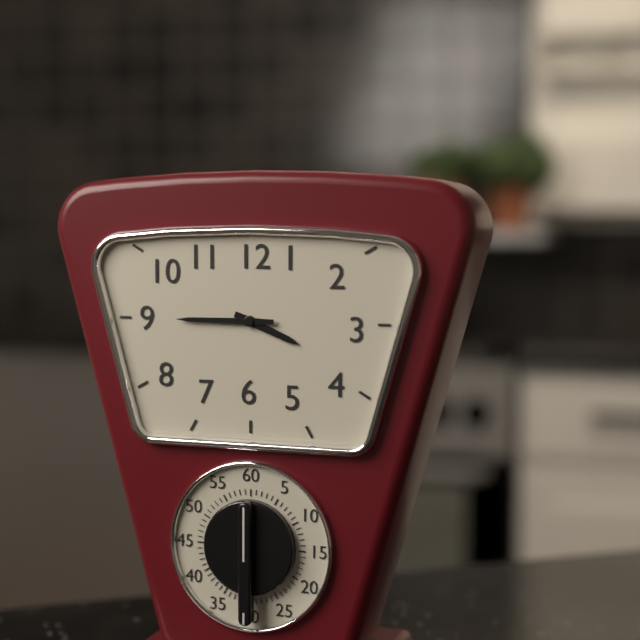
3:45
